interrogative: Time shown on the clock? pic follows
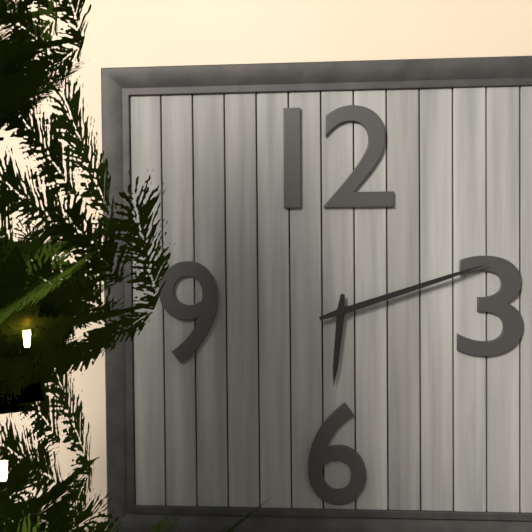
6:12
